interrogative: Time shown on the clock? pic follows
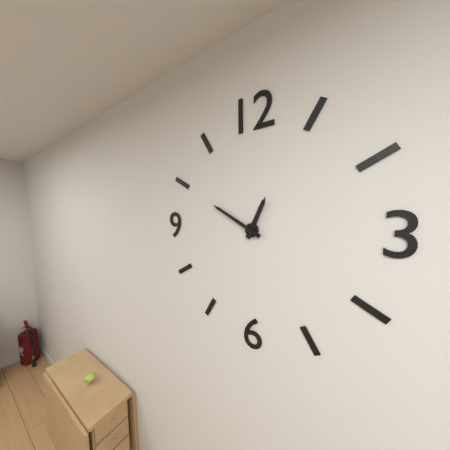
12:50
